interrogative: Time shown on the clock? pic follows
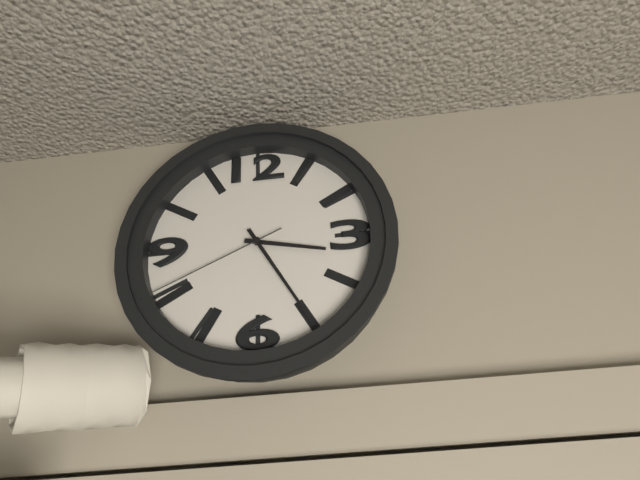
3:25:41
